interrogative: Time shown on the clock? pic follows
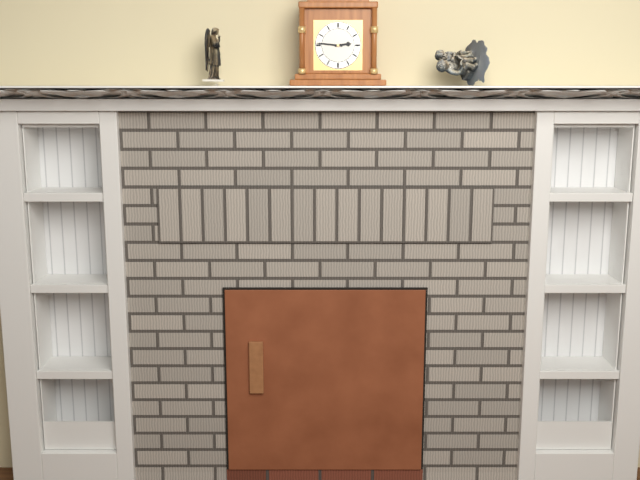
2:46
